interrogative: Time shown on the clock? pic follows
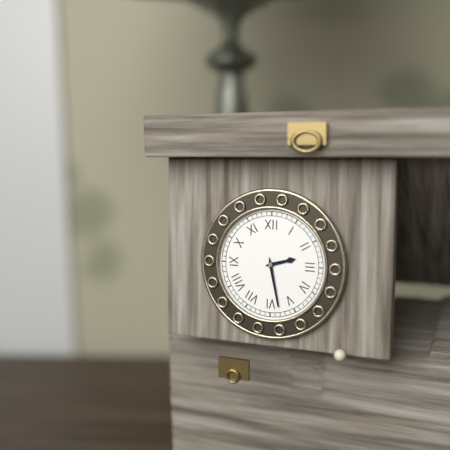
2:28
